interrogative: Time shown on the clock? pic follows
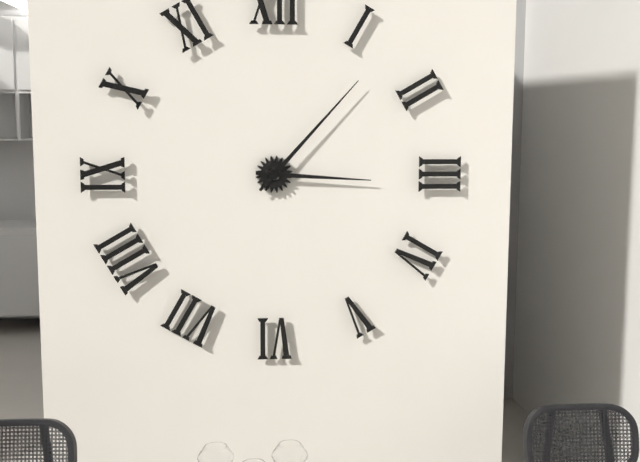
3:07
